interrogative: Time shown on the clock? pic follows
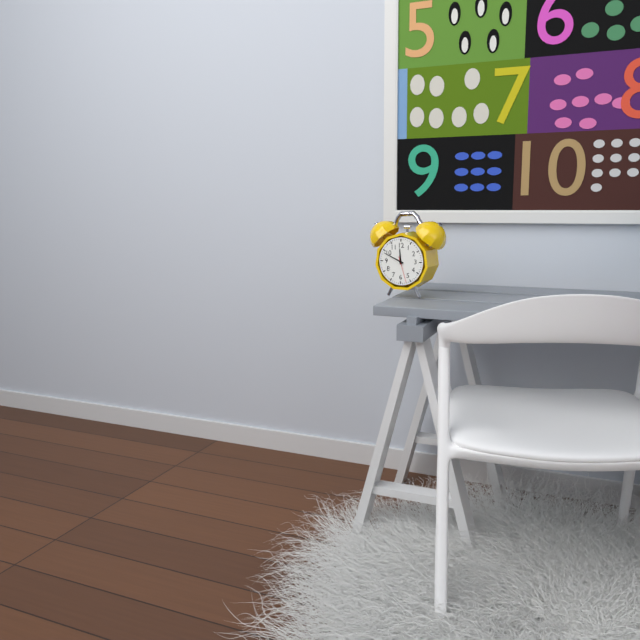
11:49
